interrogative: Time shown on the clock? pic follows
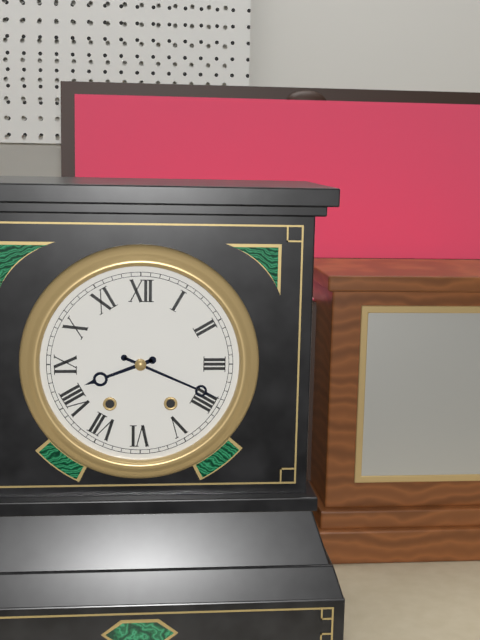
8:19
